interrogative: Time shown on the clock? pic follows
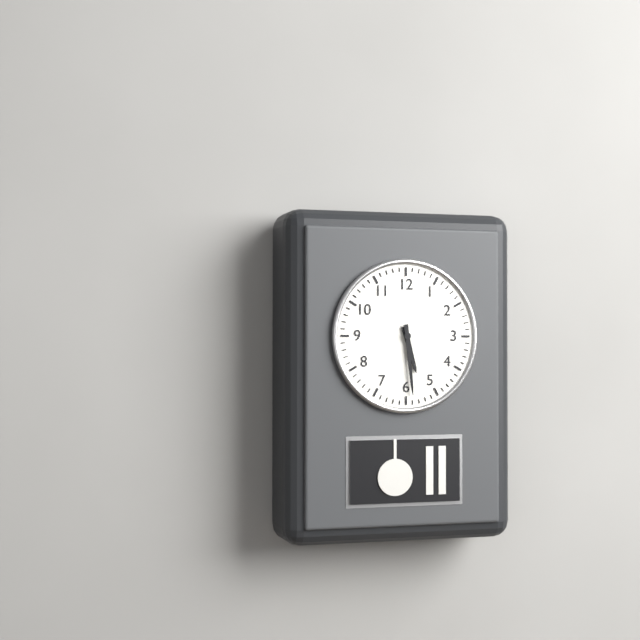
5:29
